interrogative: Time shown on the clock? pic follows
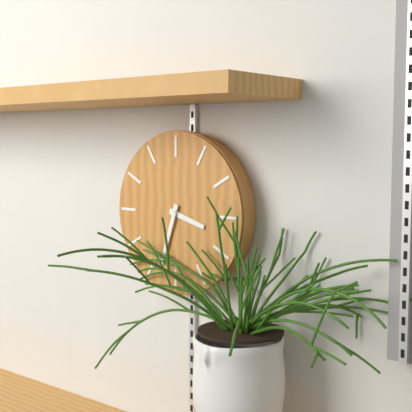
3:33
